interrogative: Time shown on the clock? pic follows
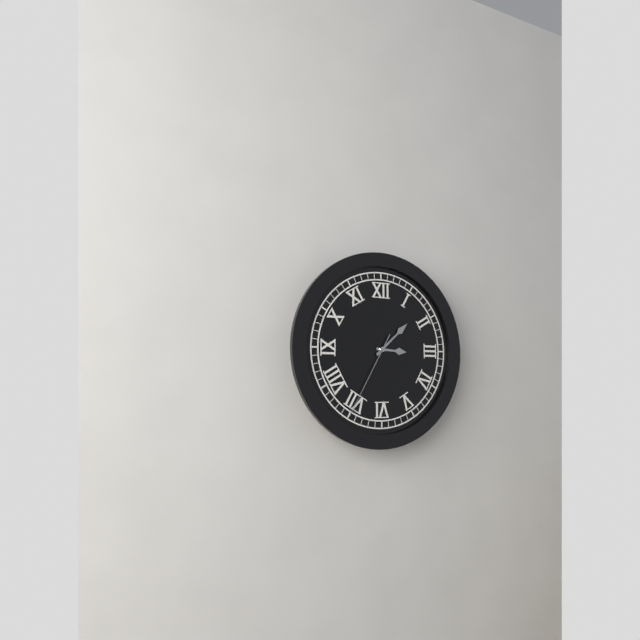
3:08:35
